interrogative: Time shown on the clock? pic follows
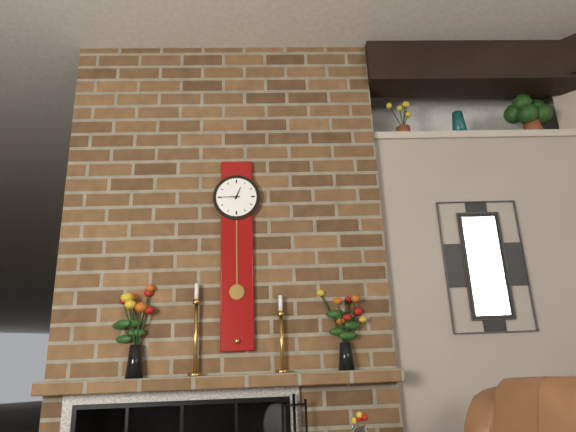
12:45
